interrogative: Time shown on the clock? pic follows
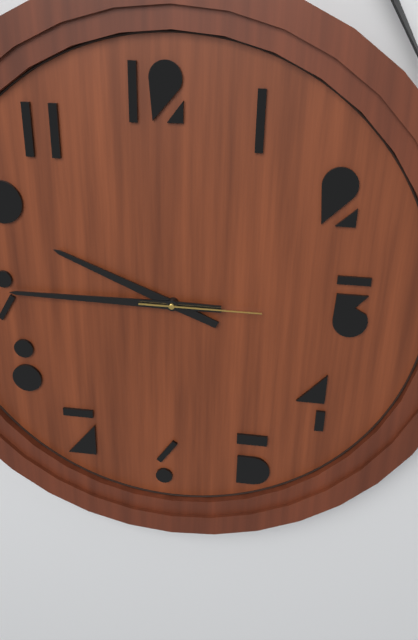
9:45:15
